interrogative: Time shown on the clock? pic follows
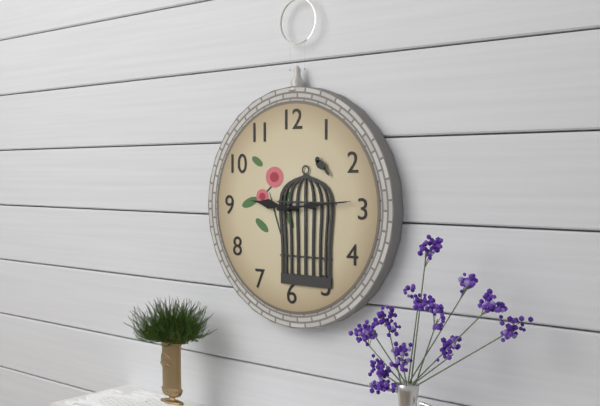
9:14
